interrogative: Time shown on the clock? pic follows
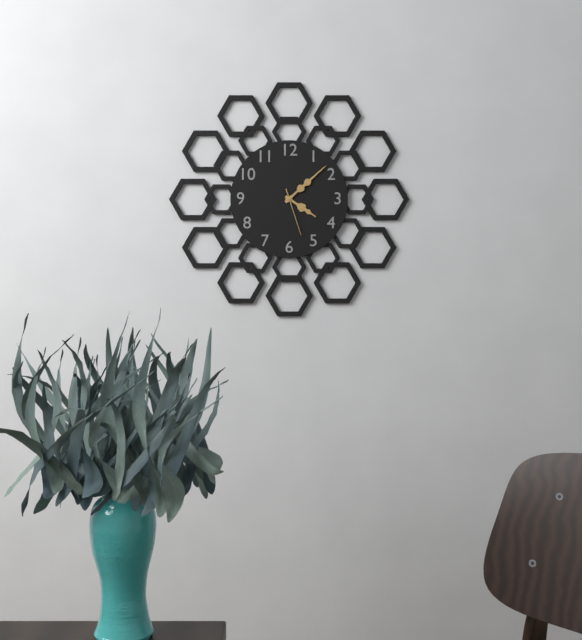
4:08
